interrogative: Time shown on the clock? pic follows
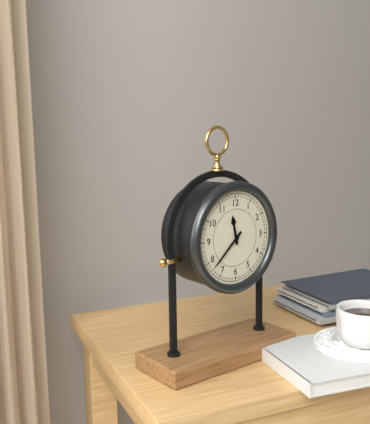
11:38
